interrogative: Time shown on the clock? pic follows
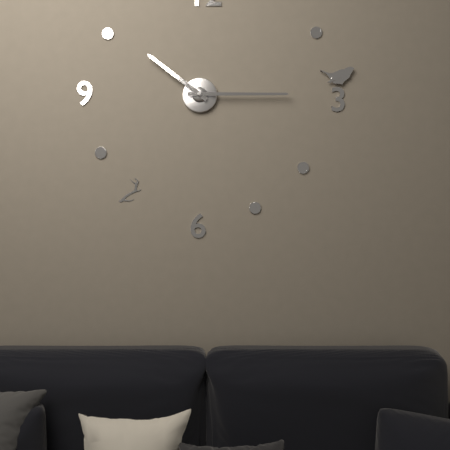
10:15
